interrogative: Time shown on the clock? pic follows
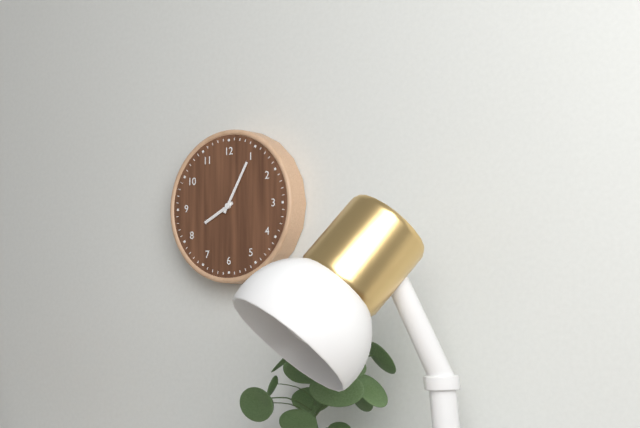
8:05
